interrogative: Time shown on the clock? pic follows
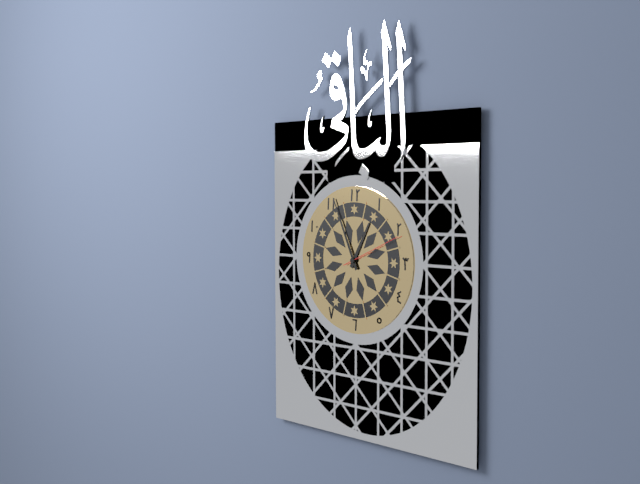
12:56:11
